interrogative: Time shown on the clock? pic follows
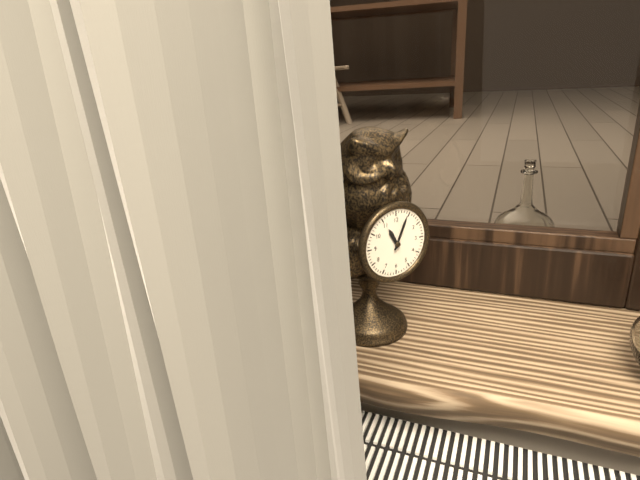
11:04
